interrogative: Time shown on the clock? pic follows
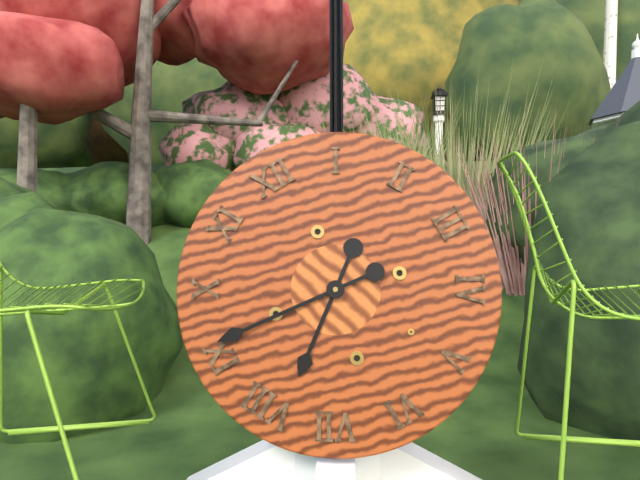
7:46
